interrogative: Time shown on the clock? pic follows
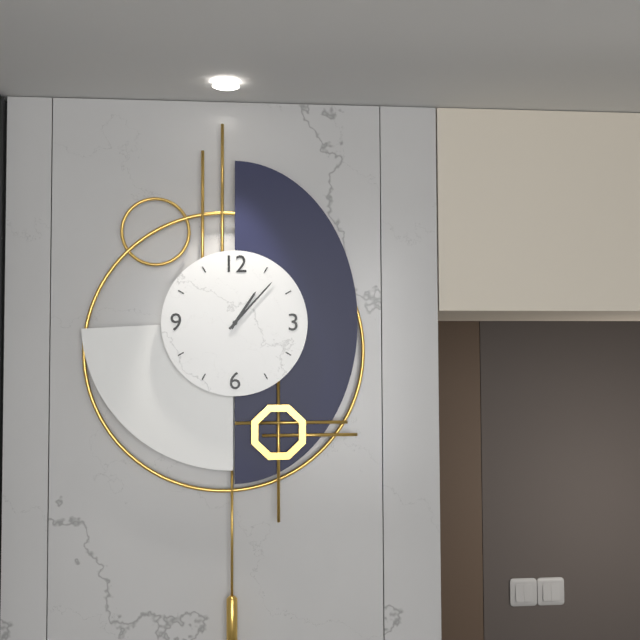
1:07
